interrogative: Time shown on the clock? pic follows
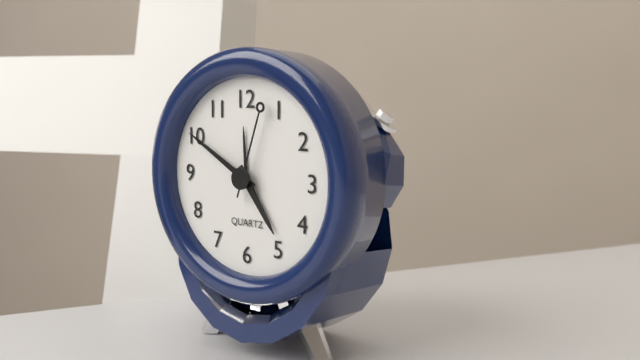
4:50:03
